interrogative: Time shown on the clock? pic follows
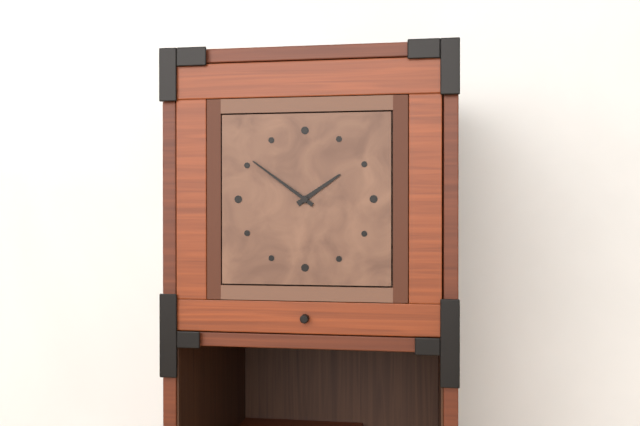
1:51
